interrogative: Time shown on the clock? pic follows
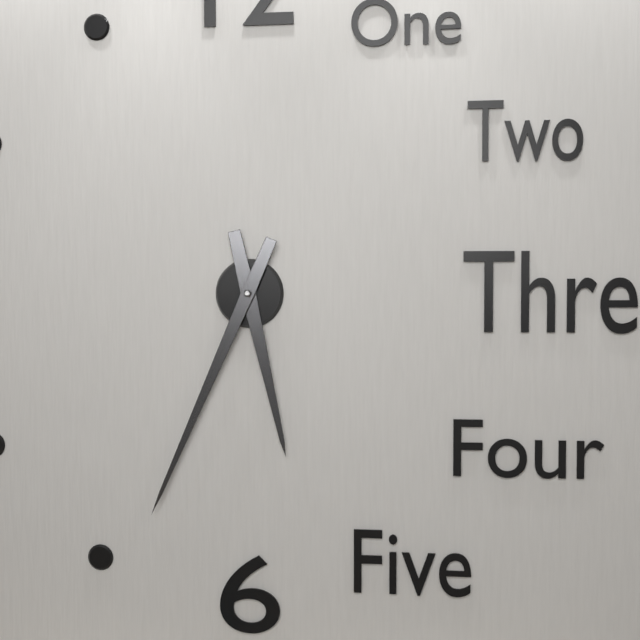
5:34
